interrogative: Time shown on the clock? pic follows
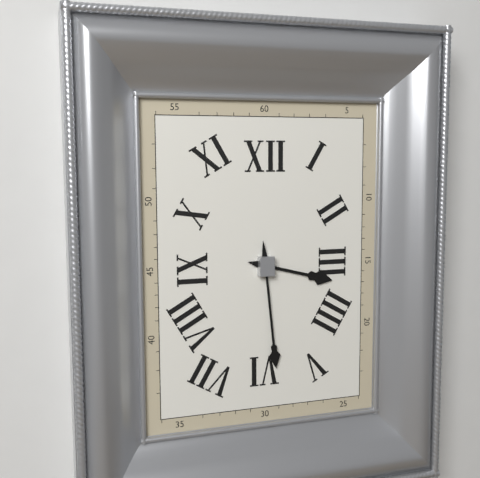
3:29
